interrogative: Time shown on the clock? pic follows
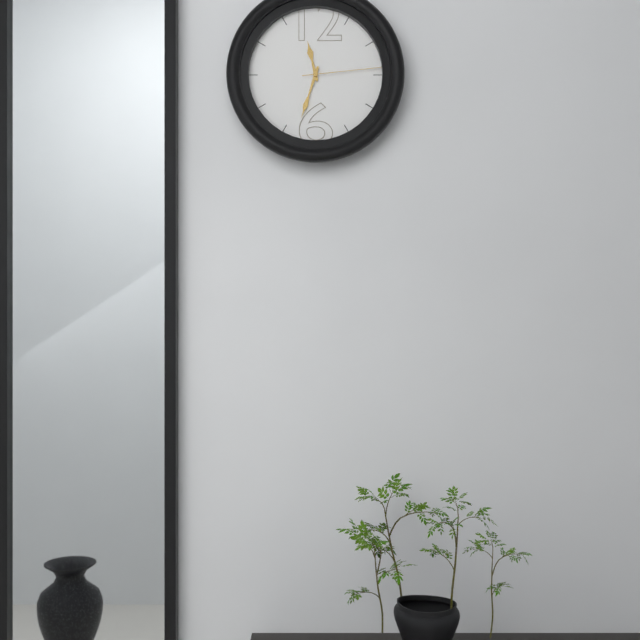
11:33:14
